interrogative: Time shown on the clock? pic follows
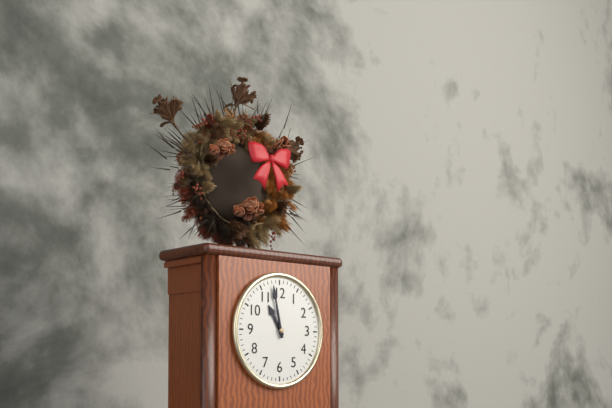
10:58
